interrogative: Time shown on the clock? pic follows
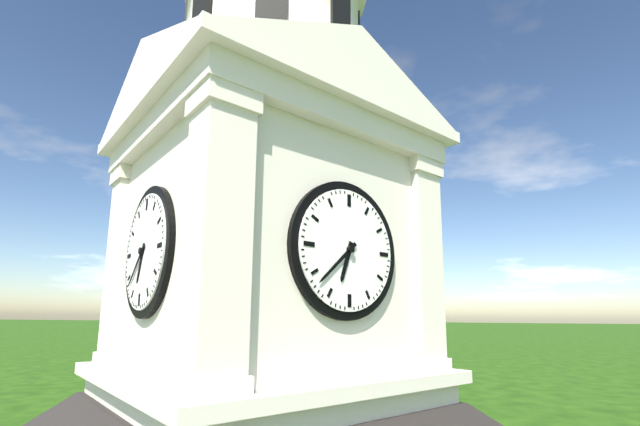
6:38
